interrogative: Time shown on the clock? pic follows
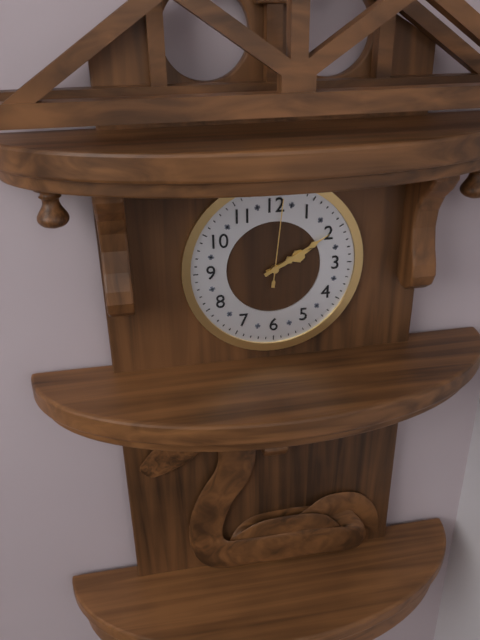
2:10:01
